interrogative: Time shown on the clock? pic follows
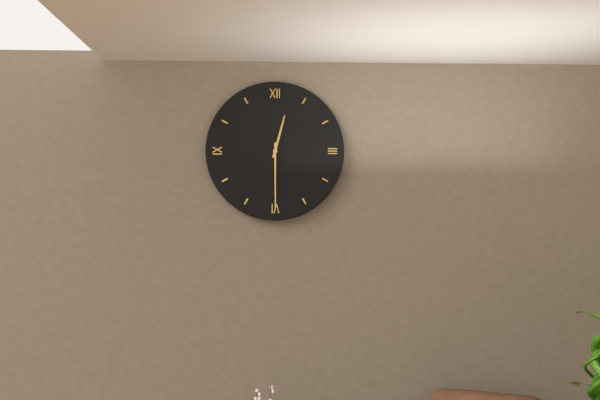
12:30
